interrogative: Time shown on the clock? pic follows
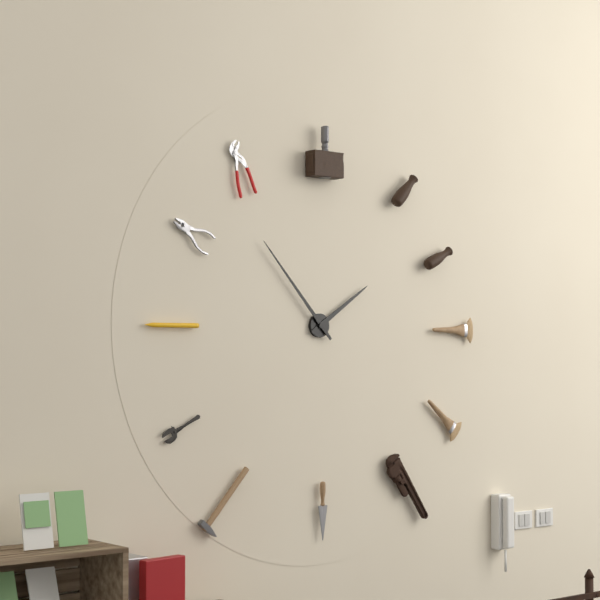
1:53
